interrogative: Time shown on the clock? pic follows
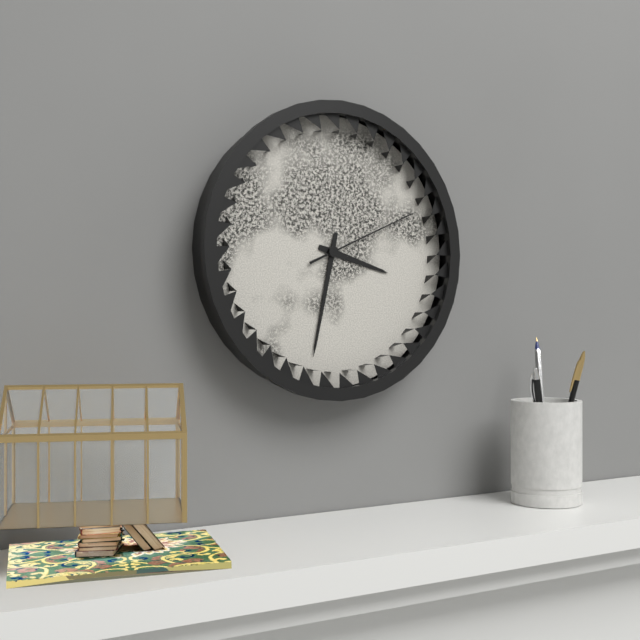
3:32:11
